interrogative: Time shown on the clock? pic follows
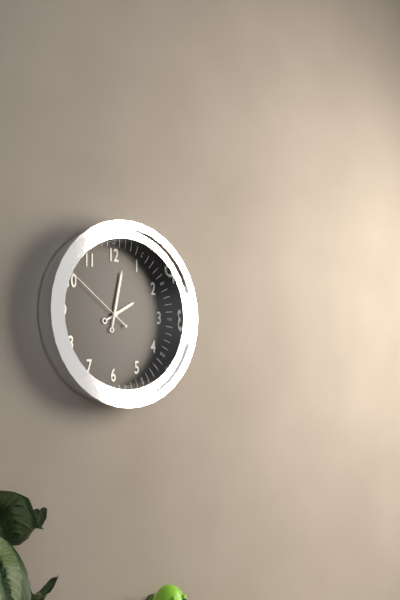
2:02:51
